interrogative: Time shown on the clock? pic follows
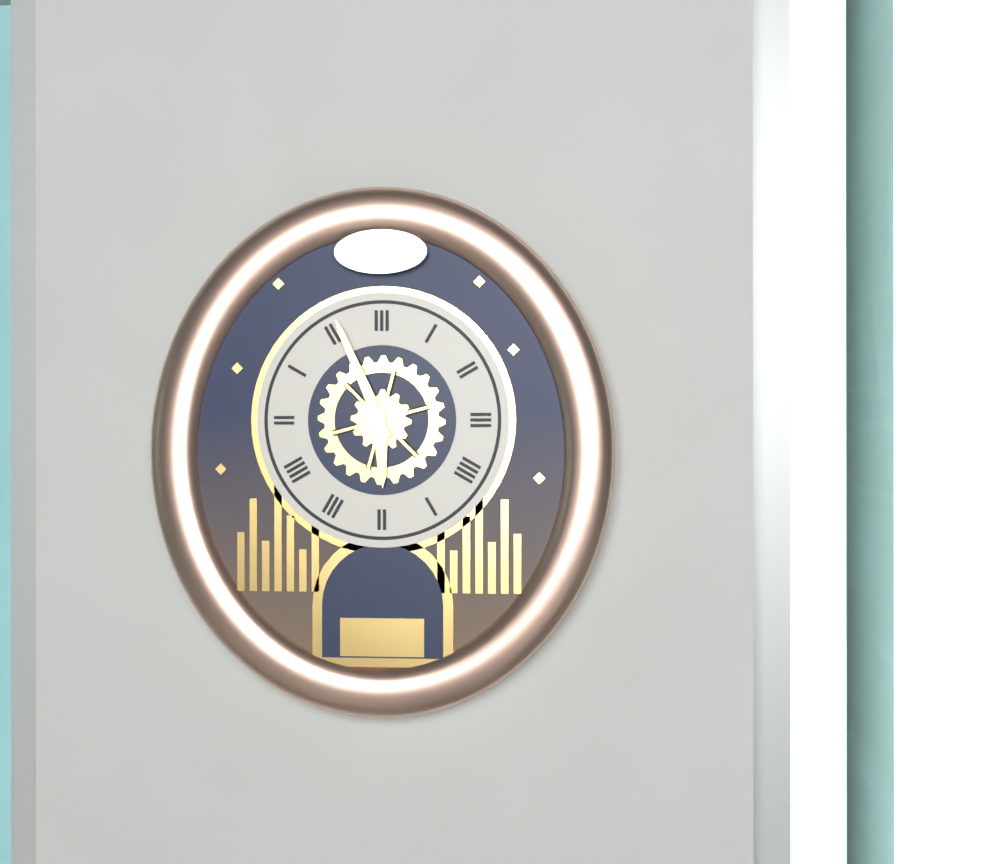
5:56
